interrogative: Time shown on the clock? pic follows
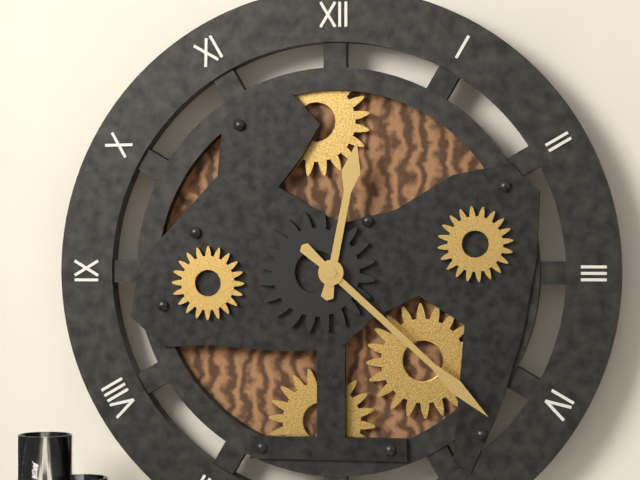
12:22
